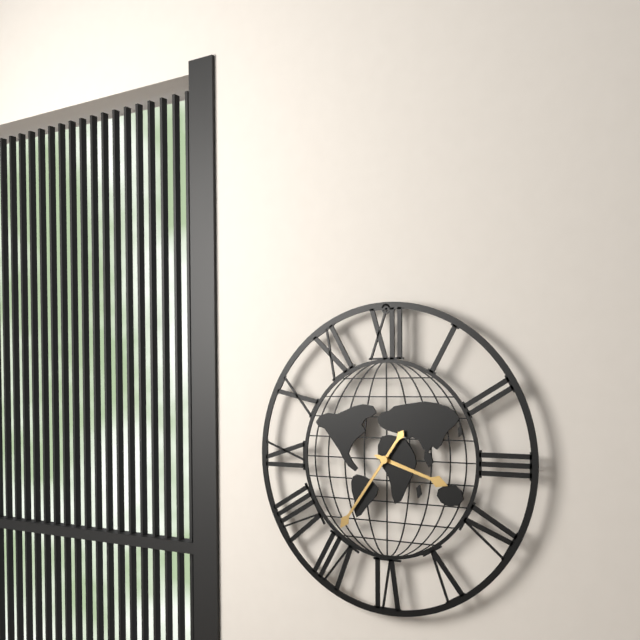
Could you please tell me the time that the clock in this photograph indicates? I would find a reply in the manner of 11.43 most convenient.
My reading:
3.36
